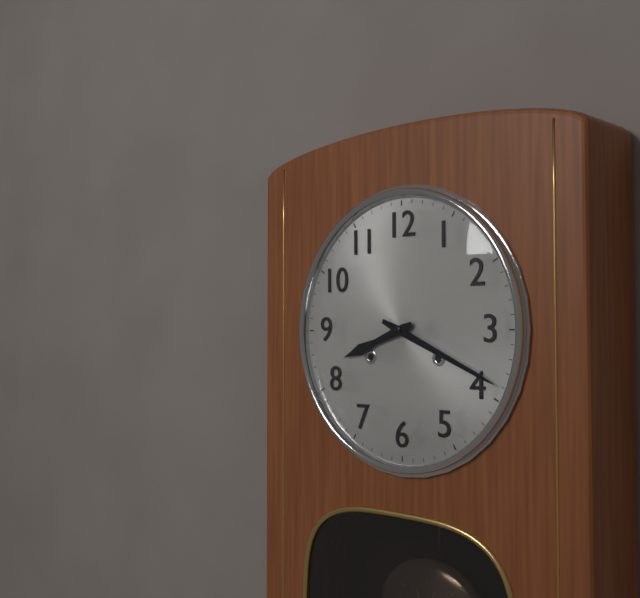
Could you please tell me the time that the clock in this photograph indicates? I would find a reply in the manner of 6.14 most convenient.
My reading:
8.19
